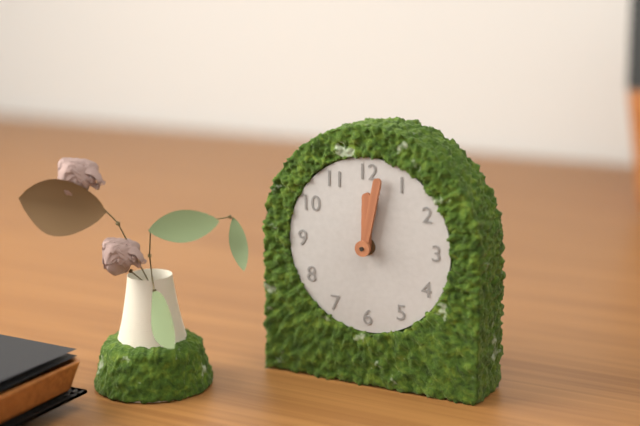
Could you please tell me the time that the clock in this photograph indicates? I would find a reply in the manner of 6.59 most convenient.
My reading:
12.02
